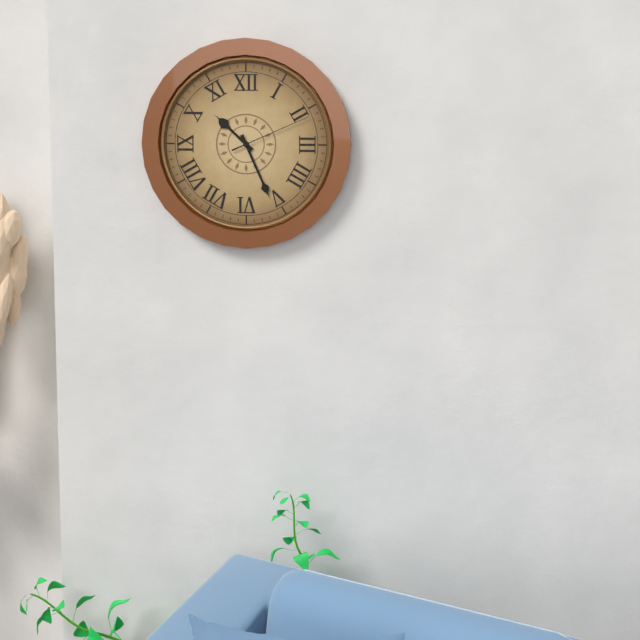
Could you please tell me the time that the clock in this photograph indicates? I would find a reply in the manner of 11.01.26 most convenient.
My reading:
10.26.11
